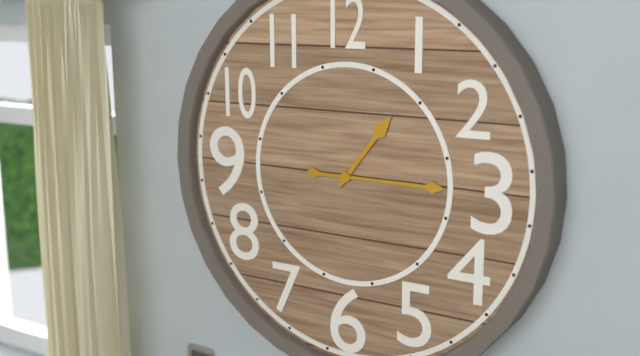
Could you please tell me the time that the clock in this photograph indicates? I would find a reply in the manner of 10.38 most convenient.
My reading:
1.15
